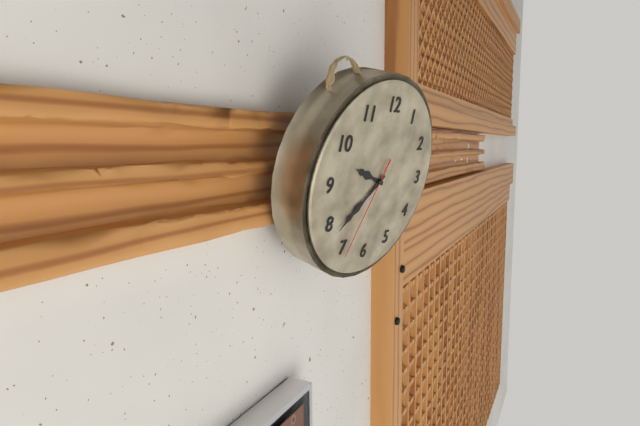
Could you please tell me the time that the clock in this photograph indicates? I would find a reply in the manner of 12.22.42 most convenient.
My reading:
9.38.34
